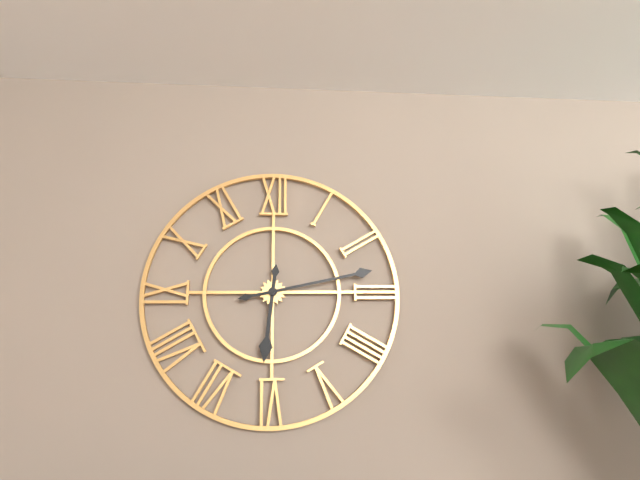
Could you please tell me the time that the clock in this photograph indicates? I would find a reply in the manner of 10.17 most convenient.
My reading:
6.13
